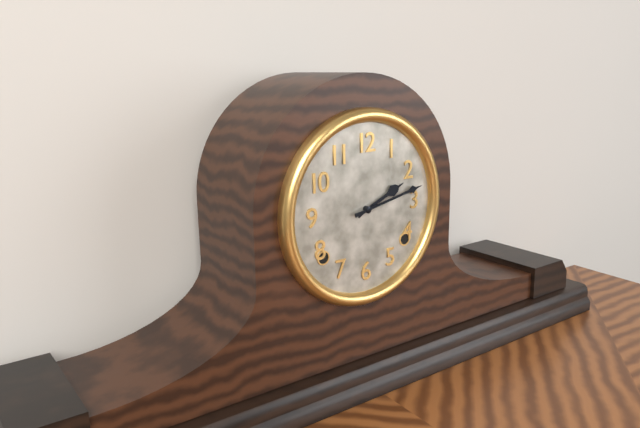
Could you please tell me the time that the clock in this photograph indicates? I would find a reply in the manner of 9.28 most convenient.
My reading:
2.13
